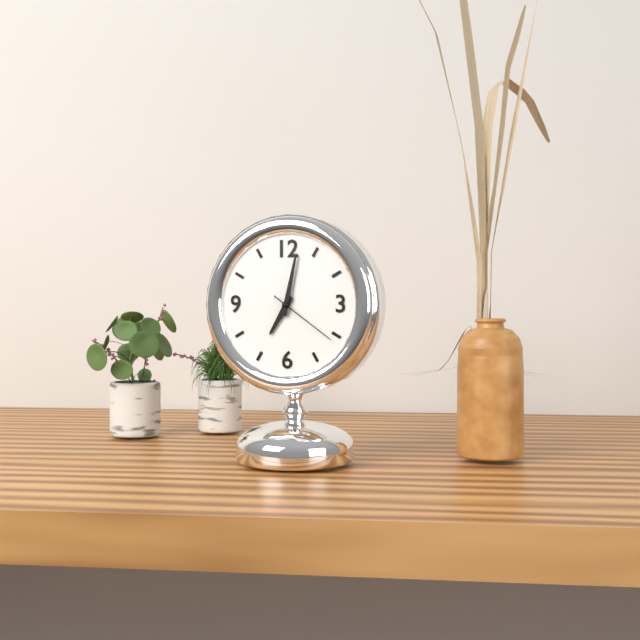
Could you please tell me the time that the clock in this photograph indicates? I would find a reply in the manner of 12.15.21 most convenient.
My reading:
7.02.21
